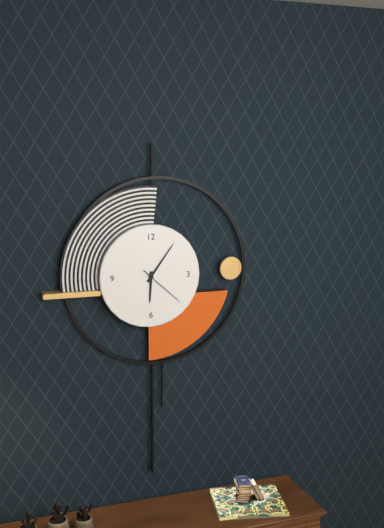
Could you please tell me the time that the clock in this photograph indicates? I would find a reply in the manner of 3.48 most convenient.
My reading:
6.06
